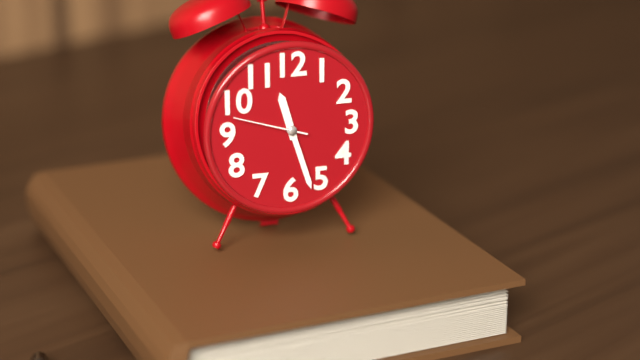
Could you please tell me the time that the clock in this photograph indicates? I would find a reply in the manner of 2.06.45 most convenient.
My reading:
11.27.48
